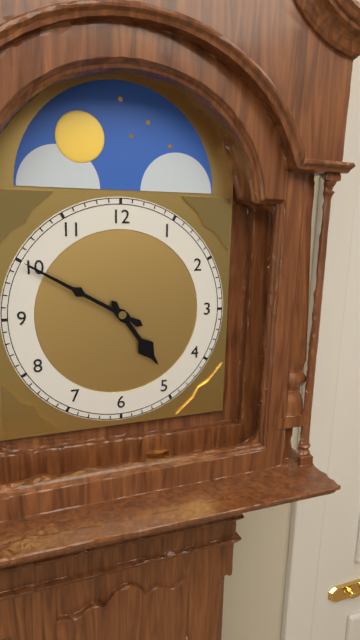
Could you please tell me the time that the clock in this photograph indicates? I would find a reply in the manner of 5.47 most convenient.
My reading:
4.50
